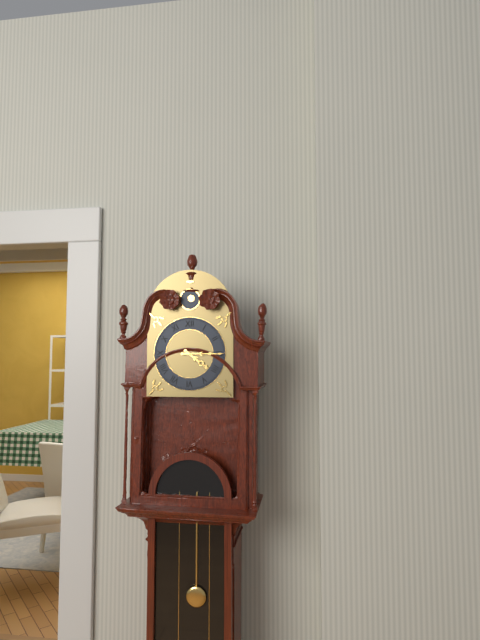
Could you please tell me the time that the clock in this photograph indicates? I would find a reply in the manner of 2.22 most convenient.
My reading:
4.15
